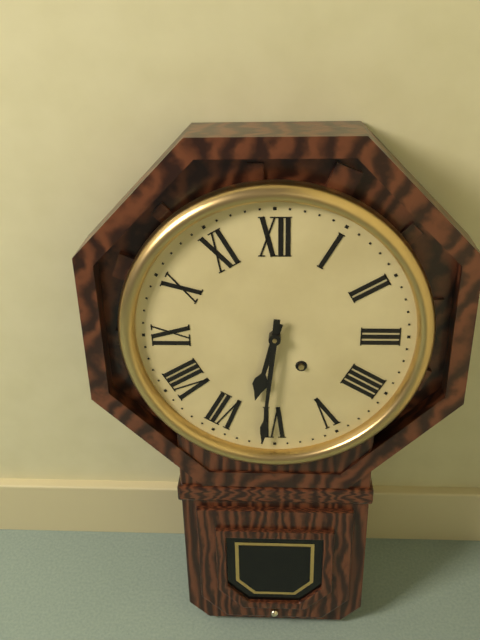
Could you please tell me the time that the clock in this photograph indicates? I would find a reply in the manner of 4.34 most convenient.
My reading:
6.31
